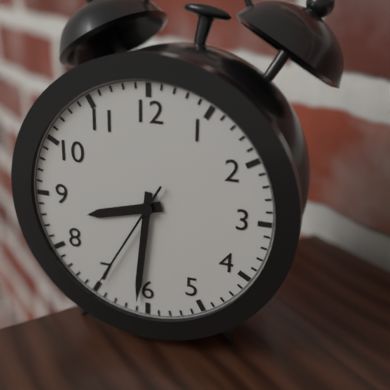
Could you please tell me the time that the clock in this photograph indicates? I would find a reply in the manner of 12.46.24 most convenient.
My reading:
8.31.35
